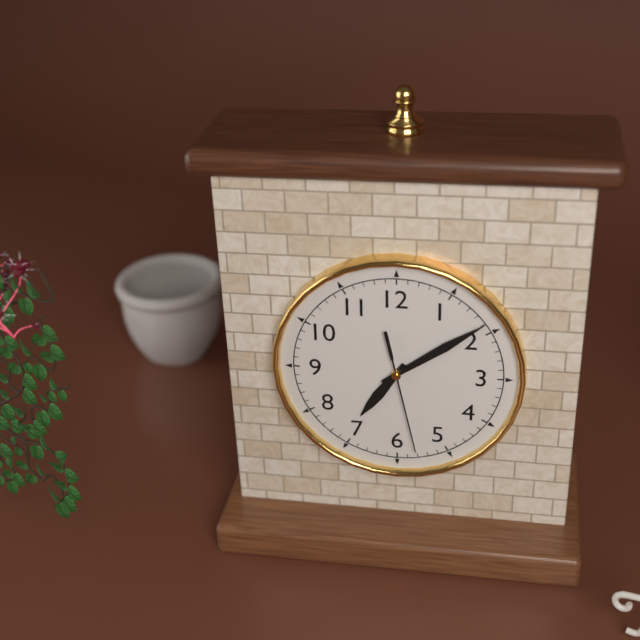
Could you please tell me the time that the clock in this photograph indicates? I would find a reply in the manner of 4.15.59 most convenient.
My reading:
7.09.28
